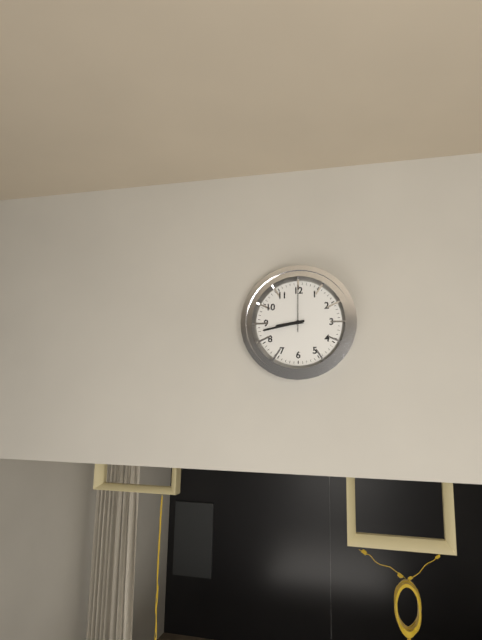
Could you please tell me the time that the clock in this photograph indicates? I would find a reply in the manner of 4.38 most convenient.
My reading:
8.43
